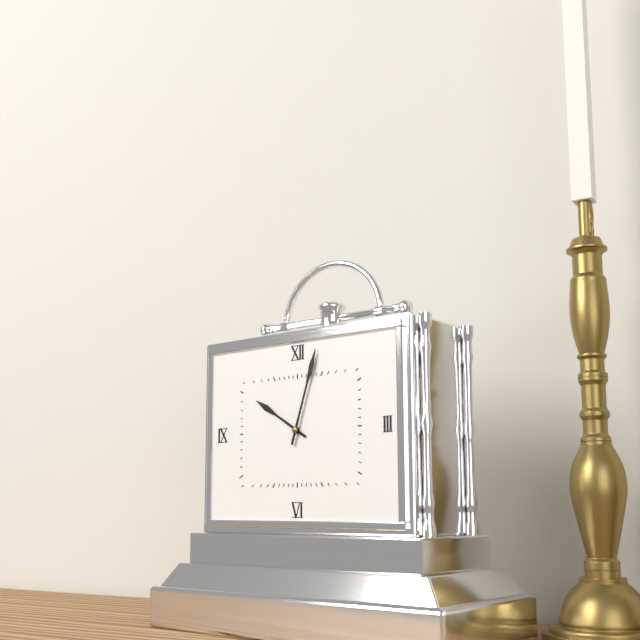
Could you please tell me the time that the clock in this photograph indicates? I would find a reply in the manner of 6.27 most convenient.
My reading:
10.03
